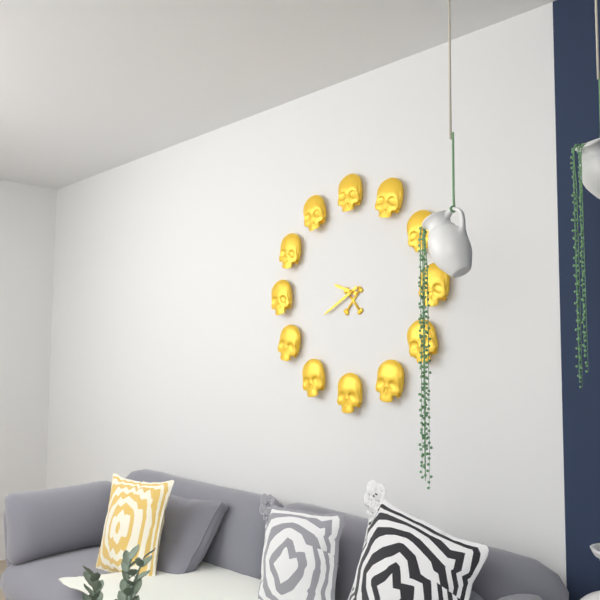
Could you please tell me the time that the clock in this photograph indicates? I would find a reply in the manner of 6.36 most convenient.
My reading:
9.40
